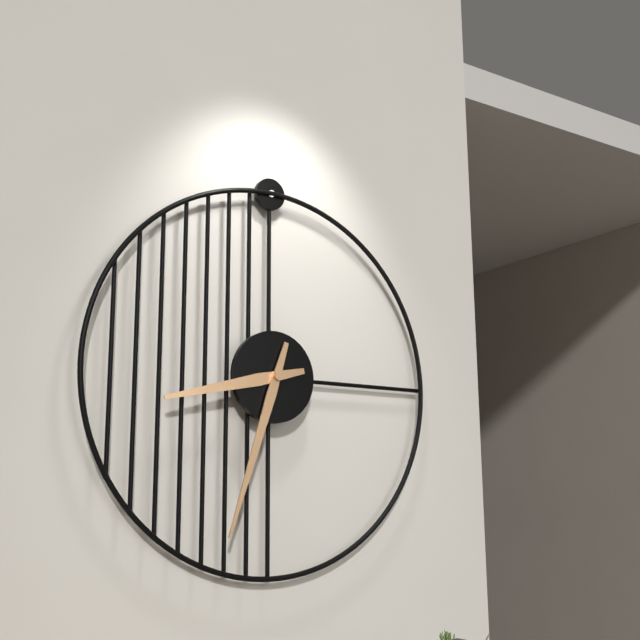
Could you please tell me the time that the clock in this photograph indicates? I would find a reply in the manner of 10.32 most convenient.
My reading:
8.33
